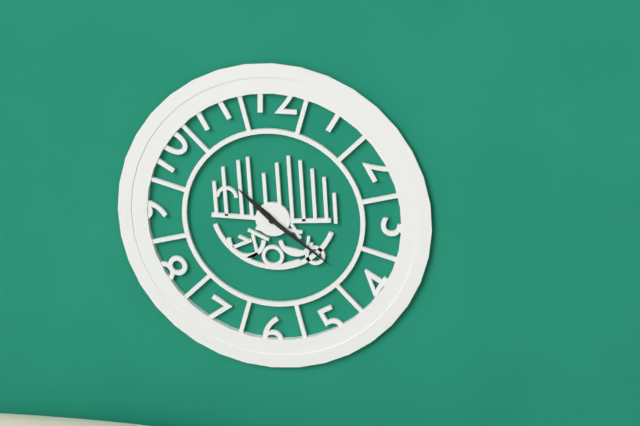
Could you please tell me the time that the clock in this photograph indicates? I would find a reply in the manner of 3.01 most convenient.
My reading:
10.21
